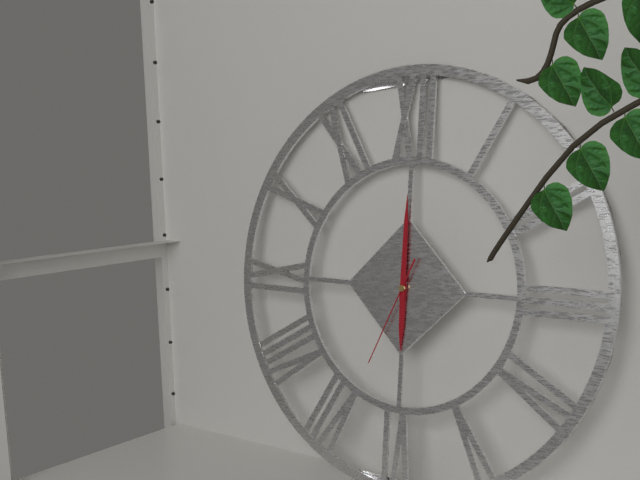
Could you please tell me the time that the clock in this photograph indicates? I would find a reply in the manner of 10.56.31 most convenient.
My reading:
6.00.34
